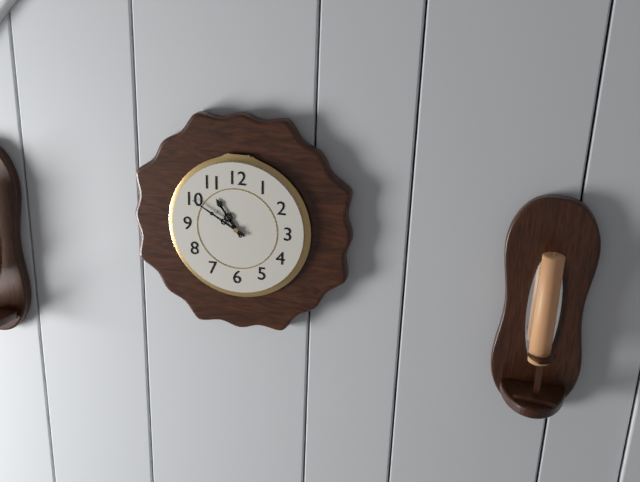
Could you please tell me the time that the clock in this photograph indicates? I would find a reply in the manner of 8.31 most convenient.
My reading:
10.50
